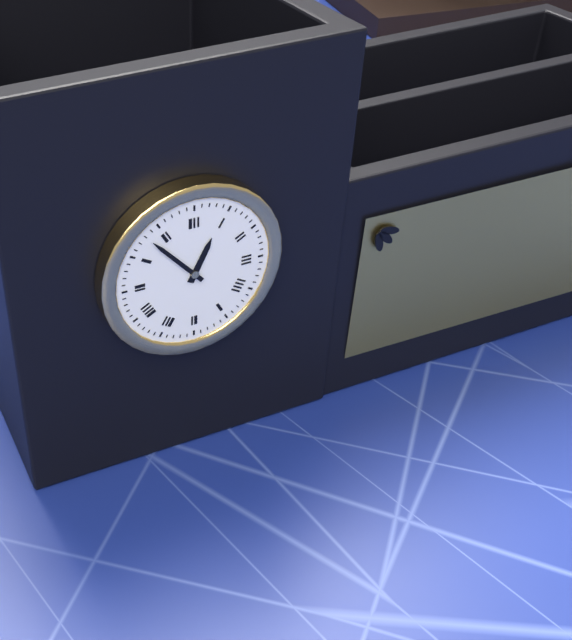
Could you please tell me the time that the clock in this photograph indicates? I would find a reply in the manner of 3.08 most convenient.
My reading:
12.53
